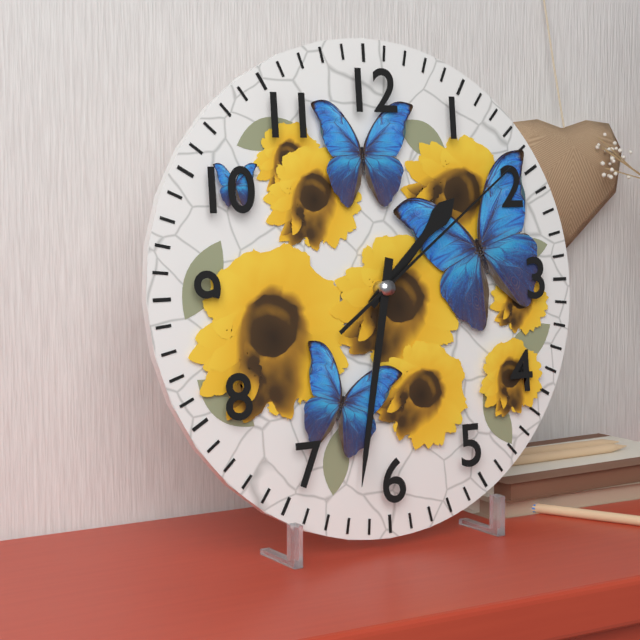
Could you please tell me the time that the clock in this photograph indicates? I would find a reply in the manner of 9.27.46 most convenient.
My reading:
1.32.09
